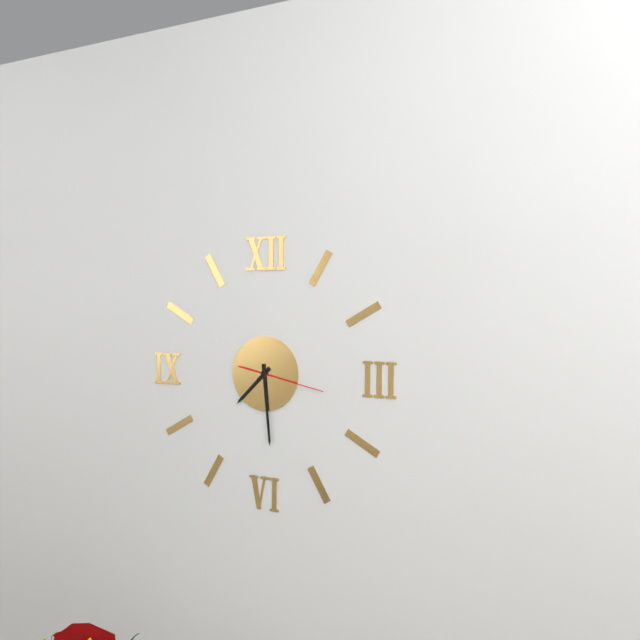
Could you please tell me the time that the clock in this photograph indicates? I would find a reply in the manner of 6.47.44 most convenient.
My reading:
7.29.17
